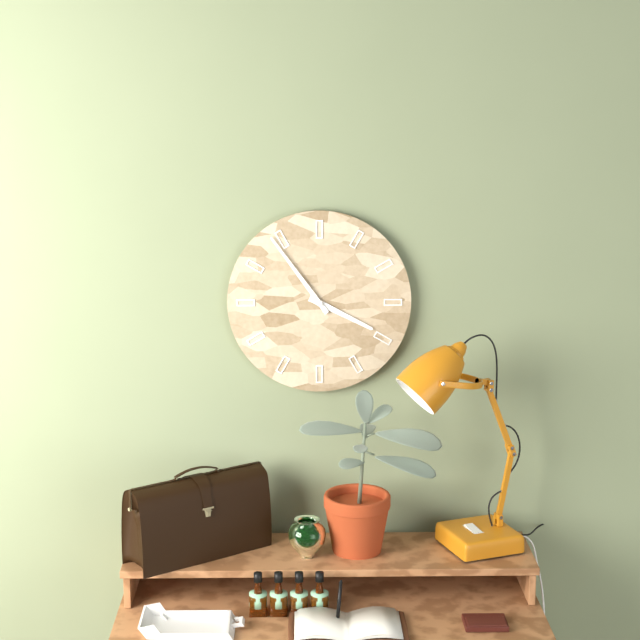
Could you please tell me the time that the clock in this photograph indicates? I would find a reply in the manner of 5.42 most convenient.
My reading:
3.54
